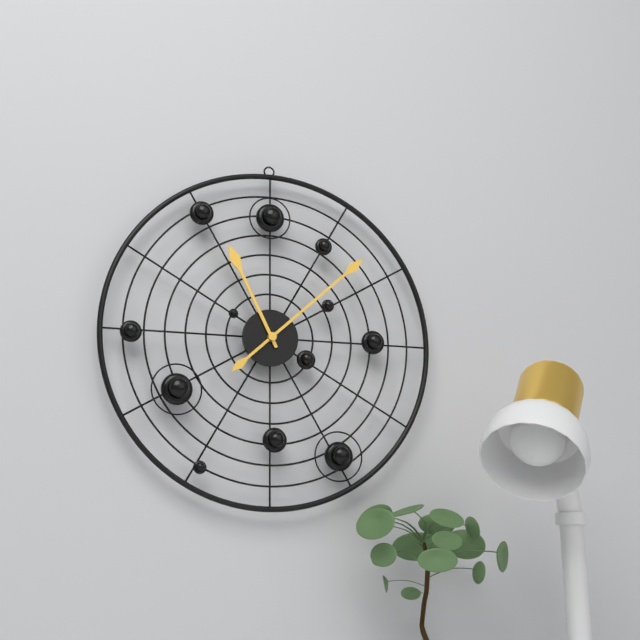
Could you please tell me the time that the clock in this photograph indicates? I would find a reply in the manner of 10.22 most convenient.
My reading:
11.08
